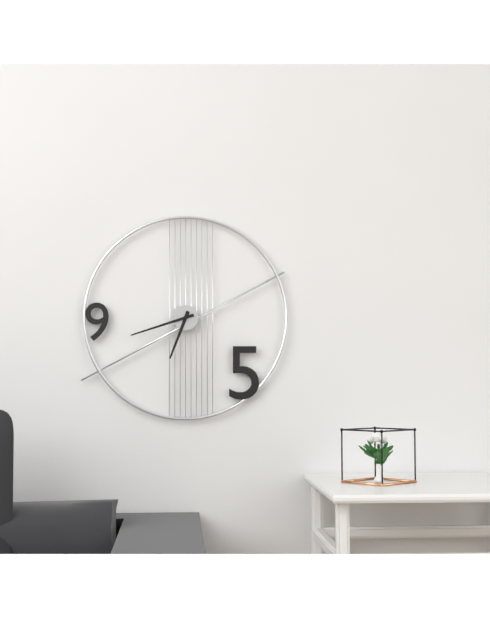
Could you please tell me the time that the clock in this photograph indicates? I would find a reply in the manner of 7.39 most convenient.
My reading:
6.42
